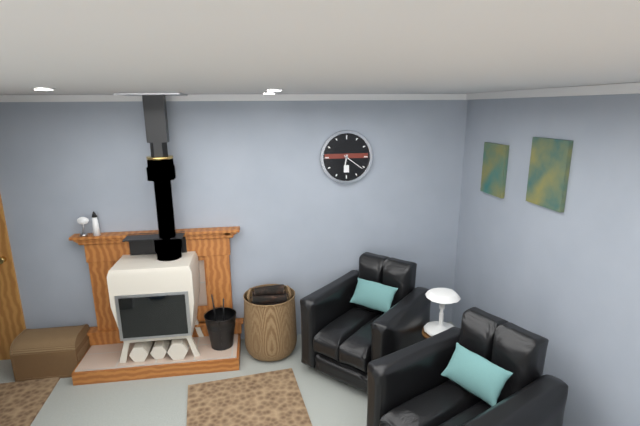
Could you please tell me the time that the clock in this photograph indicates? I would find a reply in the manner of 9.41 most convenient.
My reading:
6.21
